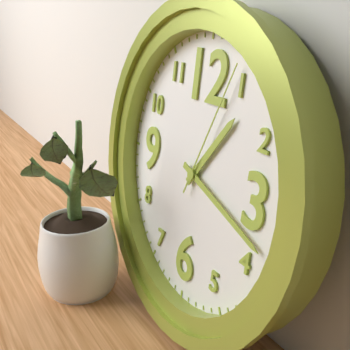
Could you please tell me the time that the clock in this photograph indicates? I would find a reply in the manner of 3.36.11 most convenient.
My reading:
1.18.04
